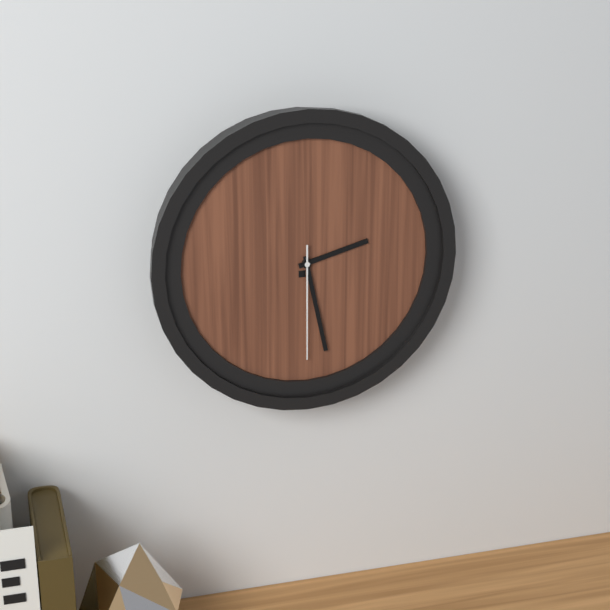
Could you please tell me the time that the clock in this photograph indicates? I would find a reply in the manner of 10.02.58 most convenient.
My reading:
2.28.30
